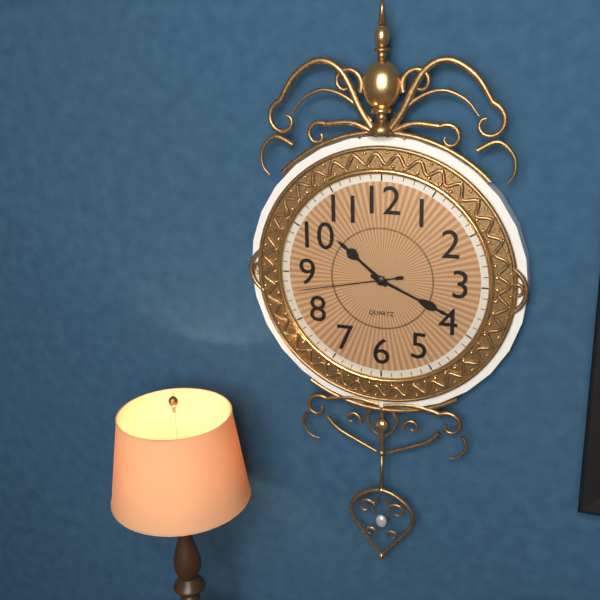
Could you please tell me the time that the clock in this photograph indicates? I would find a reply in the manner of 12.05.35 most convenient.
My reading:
10.19.43
